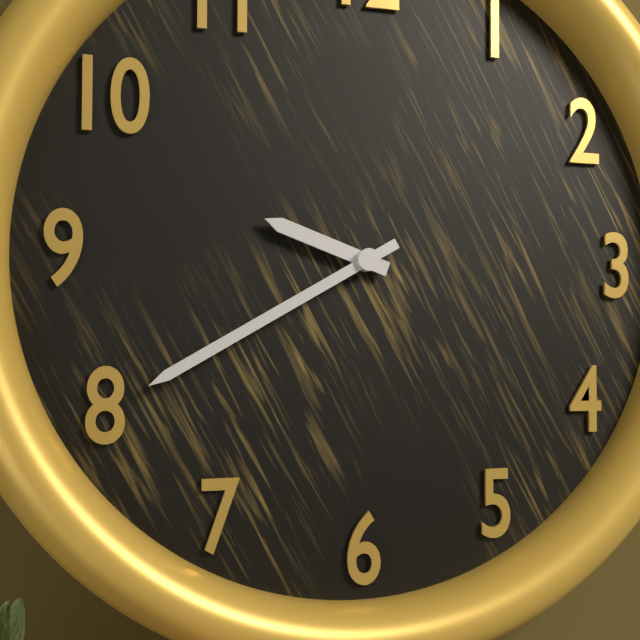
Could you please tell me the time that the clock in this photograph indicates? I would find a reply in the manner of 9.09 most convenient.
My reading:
9.40
